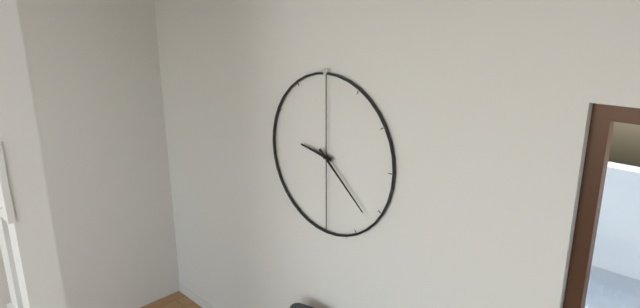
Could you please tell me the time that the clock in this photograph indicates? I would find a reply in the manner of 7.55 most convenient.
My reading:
9.22
